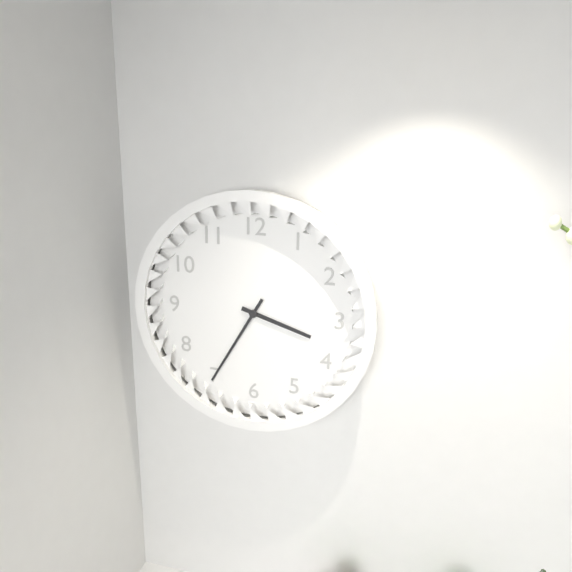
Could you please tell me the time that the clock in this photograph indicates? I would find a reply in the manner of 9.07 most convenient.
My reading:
3.35
